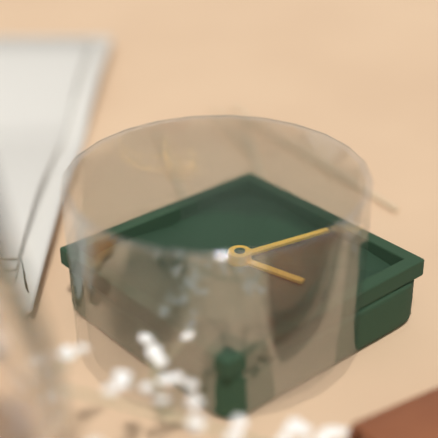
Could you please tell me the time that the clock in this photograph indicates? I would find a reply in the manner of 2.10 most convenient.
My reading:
8.32
